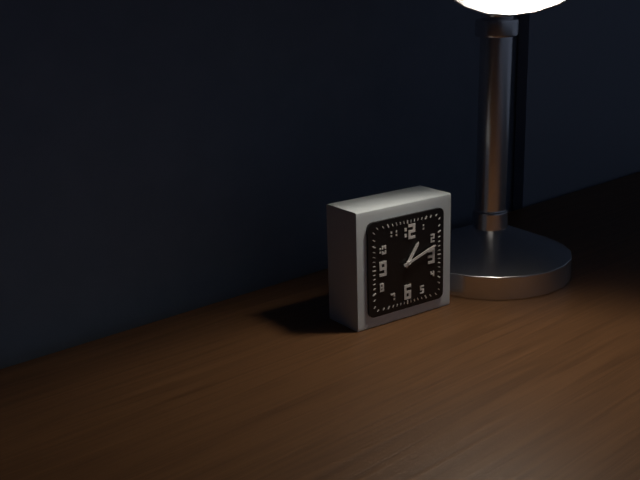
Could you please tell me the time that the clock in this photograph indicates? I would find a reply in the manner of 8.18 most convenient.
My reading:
1.12
